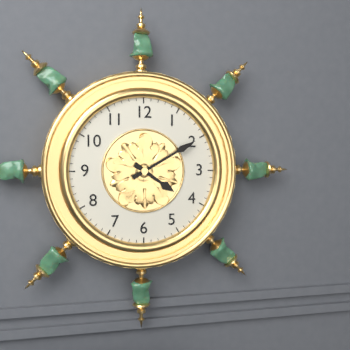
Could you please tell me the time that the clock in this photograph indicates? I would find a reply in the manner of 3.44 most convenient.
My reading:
4.10
